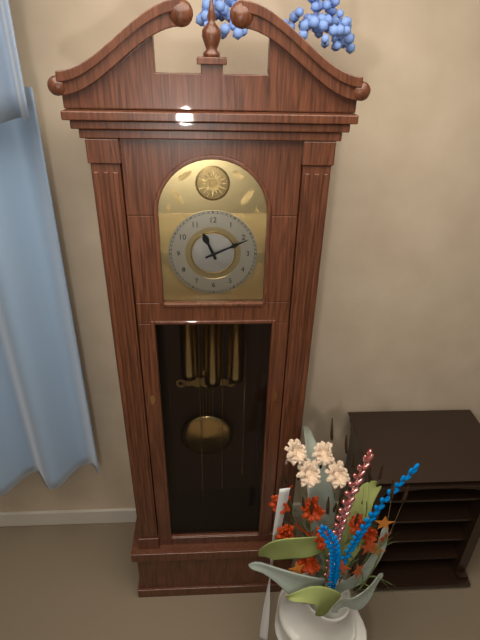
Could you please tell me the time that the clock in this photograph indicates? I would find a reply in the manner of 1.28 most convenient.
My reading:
11.11
